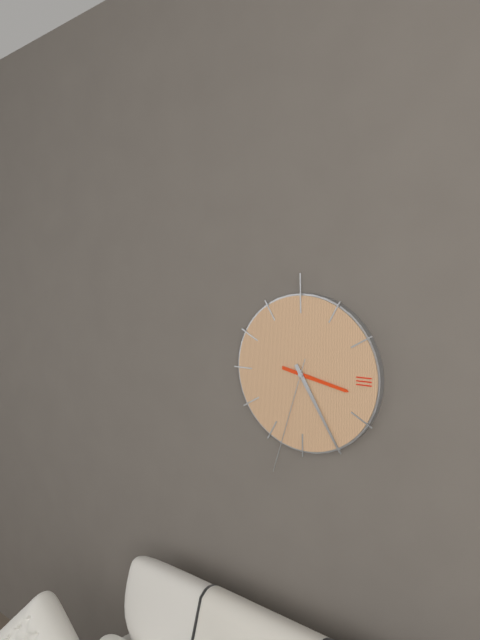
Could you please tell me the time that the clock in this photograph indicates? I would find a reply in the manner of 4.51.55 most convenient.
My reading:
3.25.33
